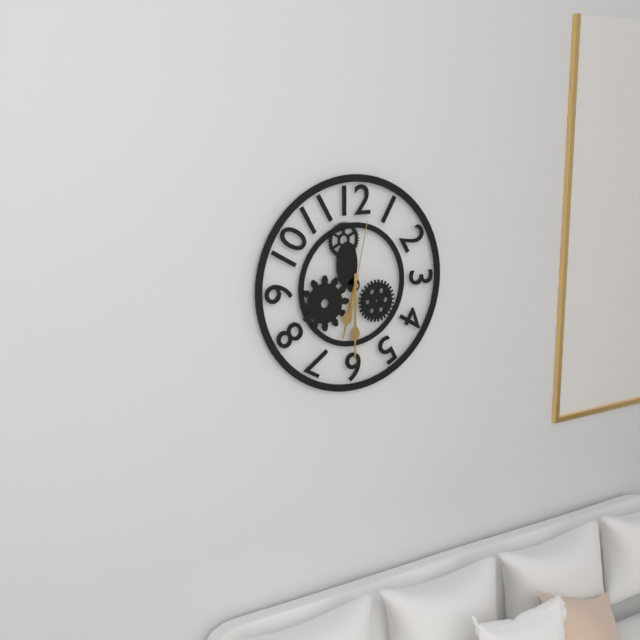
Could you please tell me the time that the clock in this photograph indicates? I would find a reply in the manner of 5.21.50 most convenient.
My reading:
6.30.02
